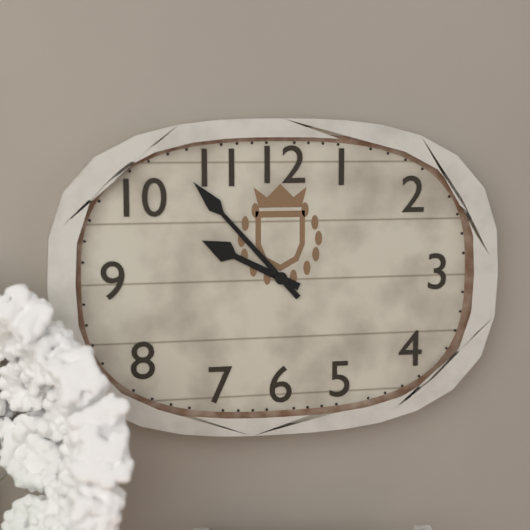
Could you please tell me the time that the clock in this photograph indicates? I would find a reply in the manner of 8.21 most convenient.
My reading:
9.53
